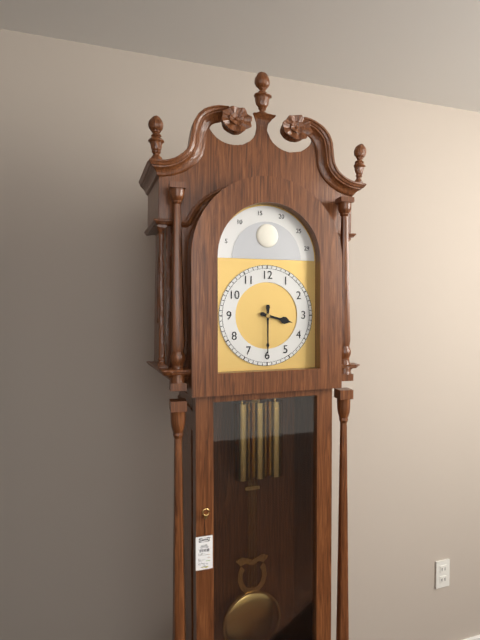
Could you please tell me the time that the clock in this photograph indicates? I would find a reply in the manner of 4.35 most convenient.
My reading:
3.30
